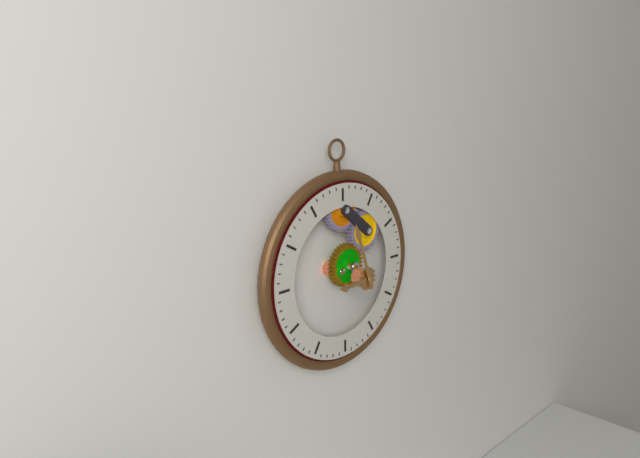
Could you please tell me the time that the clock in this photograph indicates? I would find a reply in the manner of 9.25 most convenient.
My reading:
8.57
